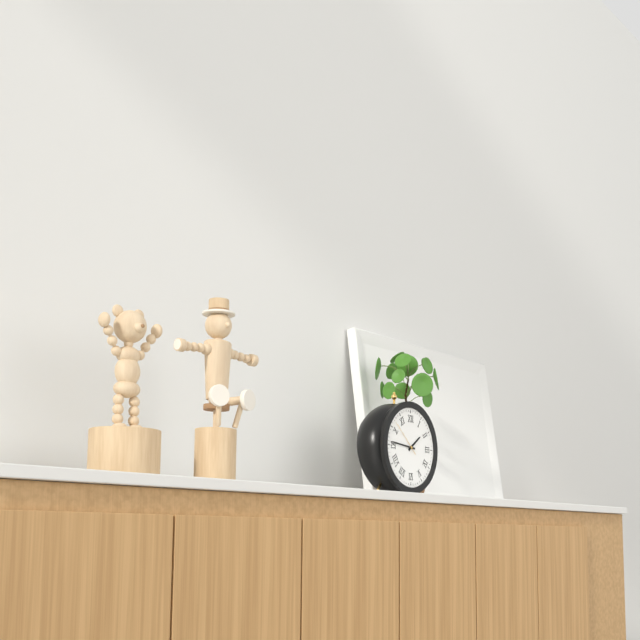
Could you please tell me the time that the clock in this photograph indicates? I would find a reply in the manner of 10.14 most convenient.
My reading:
1.46
